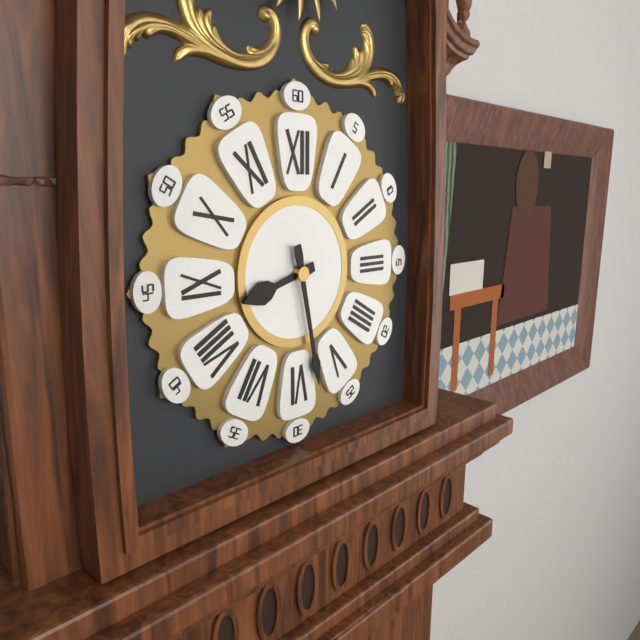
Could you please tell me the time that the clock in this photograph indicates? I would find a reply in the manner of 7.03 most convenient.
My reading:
8.28
